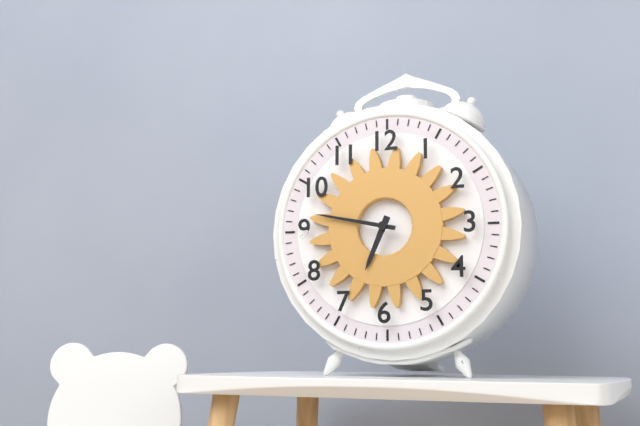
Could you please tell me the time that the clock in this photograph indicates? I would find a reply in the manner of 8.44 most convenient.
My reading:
6.47
